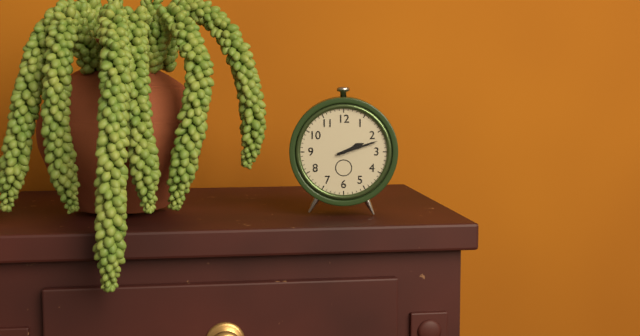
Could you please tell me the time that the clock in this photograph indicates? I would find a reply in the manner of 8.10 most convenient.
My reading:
2.12
